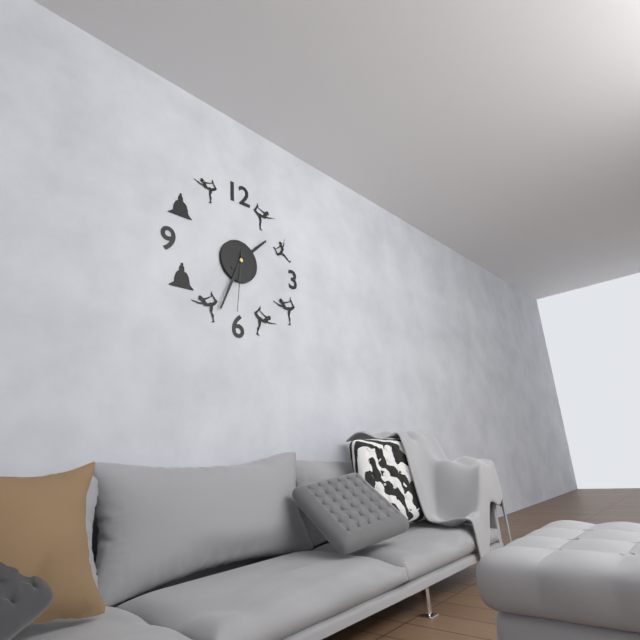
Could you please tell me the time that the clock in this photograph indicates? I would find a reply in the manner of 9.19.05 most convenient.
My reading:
1.34.31
